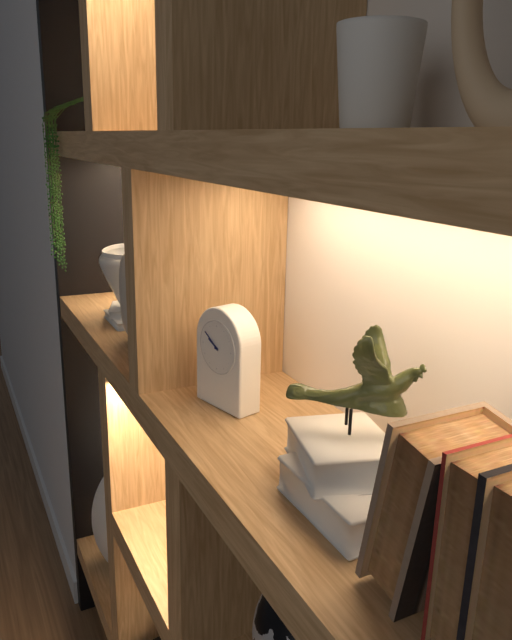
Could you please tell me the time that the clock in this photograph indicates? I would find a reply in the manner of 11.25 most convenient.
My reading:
9.51
